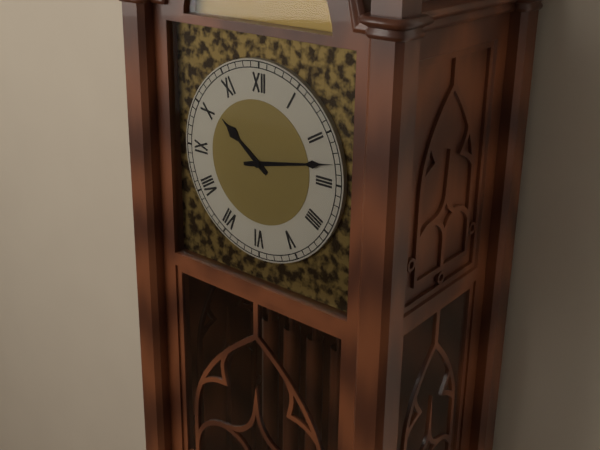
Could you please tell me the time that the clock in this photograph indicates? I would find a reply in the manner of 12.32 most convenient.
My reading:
10.13
